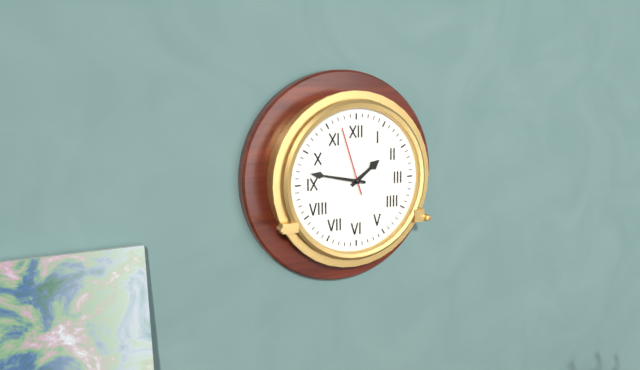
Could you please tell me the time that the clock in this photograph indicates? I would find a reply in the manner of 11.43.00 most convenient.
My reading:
1.47.57
